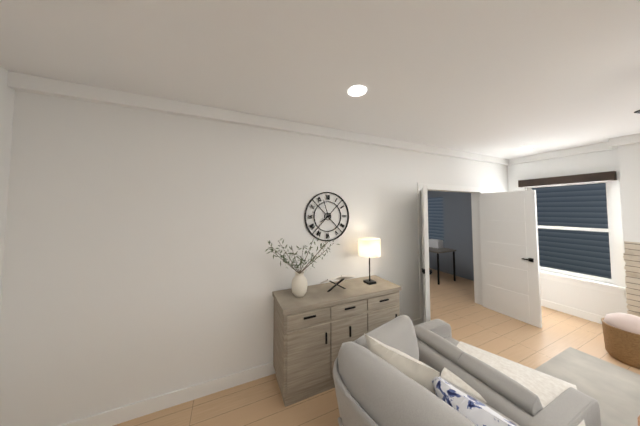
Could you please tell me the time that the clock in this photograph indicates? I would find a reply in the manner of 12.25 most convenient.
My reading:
7.57
